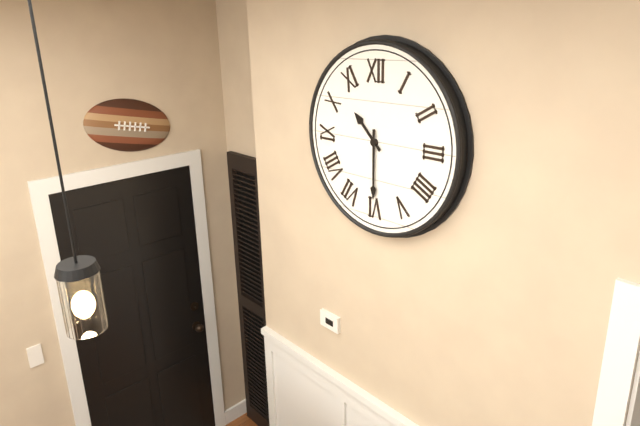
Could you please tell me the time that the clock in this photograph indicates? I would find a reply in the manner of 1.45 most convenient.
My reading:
10.30
